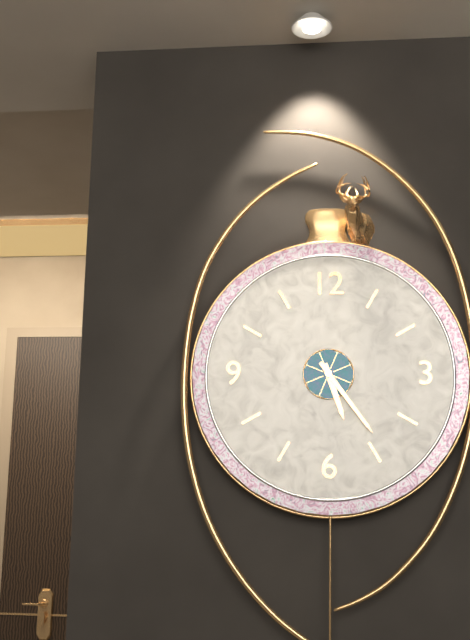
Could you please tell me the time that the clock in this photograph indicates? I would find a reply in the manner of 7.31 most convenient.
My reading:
5.24
